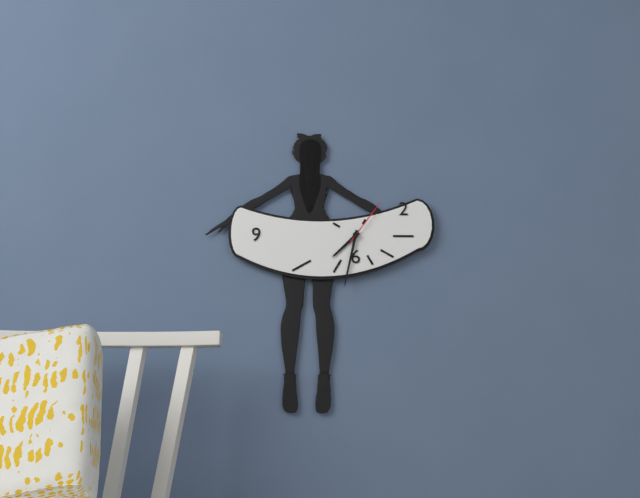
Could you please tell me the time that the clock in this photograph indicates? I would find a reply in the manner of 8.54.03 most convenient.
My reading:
7.32.06
